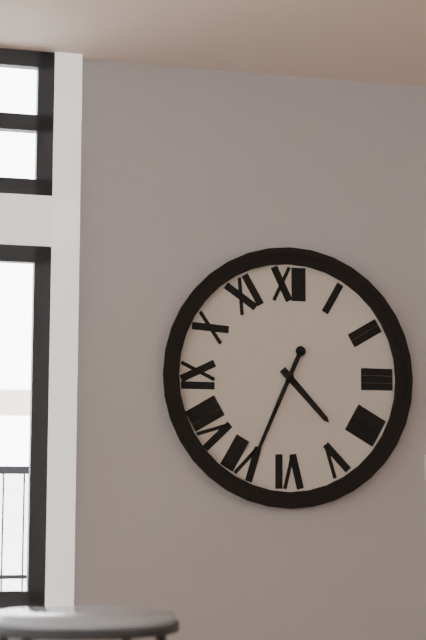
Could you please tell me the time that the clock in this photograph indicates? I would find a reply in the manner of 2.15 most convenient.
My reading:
4.34
